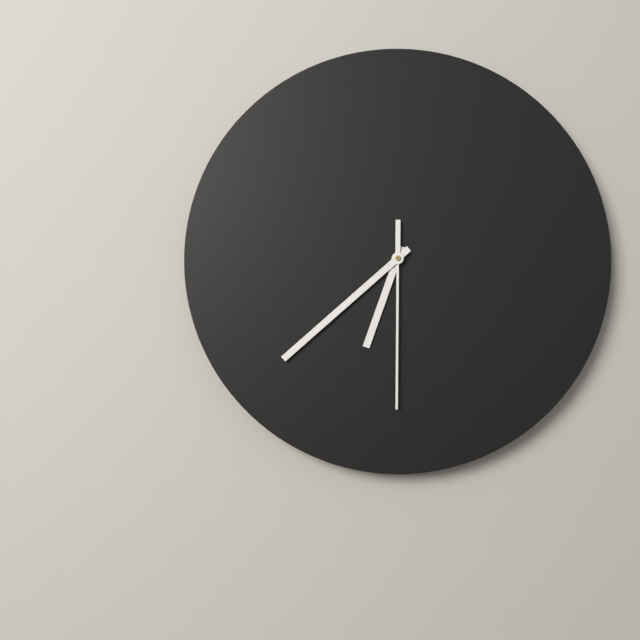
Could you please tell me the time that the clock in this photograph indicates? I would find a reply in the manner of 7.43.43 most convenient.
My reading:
6.38.30
